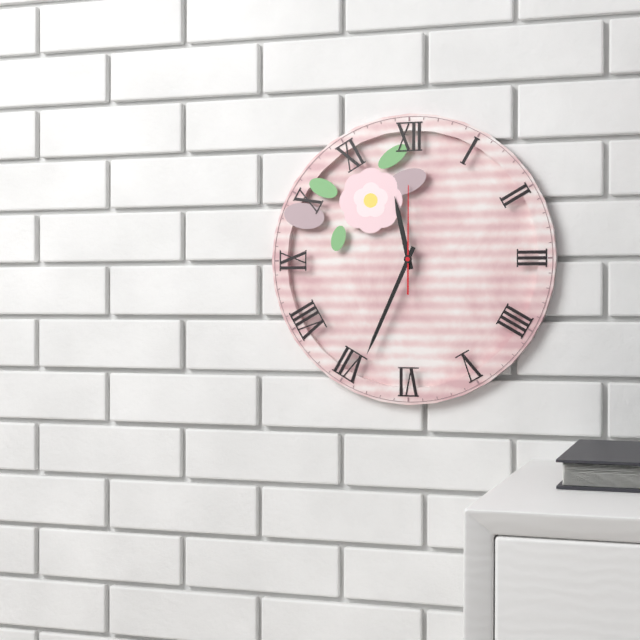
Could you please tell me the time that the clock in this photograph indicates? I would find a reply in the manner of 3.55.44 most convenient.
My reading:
11.34.00
